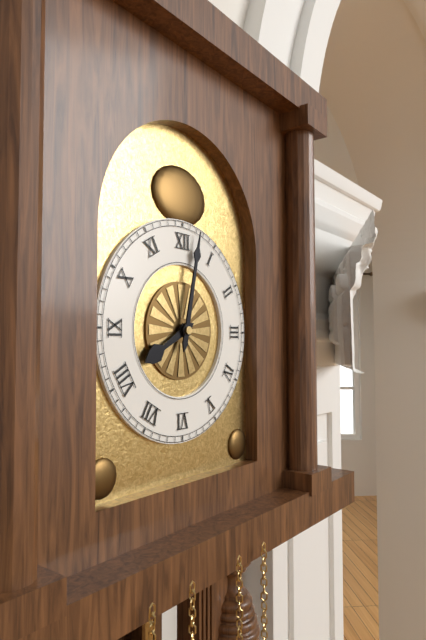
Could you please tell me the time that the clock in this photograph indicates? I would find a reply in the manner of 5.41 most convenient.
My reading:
8.02
